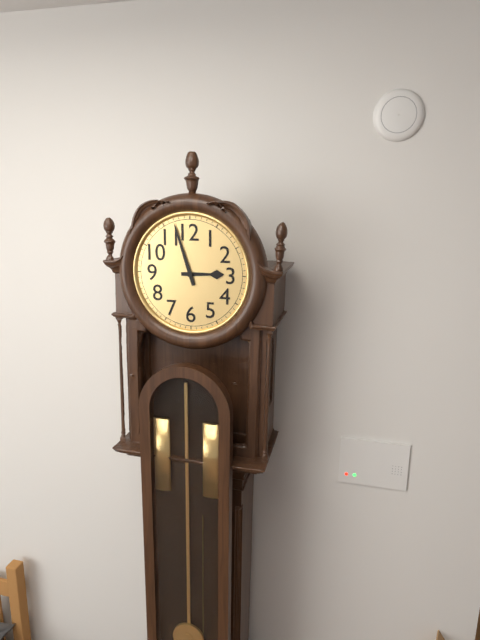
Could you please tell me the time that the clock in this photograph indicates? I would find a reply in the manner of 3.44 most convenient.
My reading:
2.57
